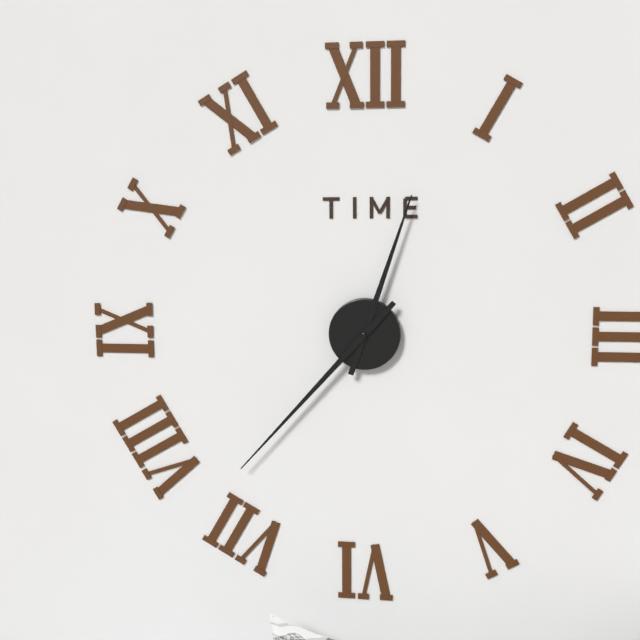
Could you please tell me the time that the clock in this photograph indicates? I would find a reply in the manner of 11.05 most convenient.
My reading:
12.37
